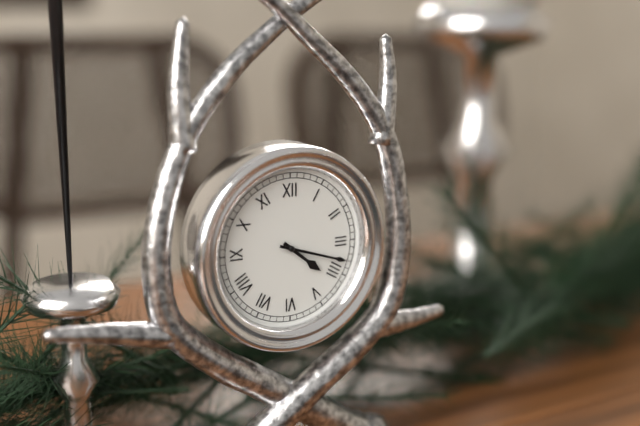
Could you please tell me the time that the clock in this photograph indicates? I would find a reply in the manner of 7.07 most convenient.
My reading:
4.18
